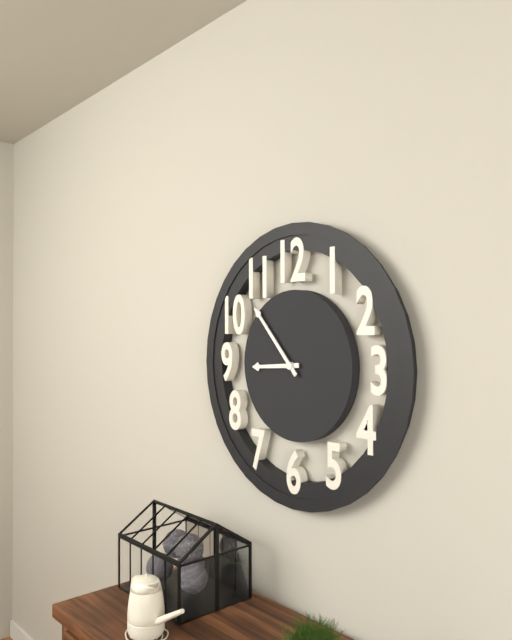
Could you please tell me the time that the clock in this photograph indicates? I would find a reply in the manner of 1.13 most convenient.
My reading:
8.53
